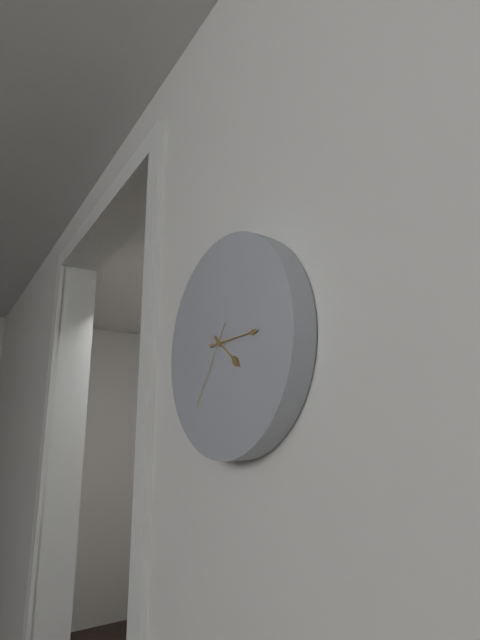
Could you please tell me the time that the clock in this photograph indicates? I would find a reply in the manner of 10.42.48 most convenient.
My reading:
4.15.36
